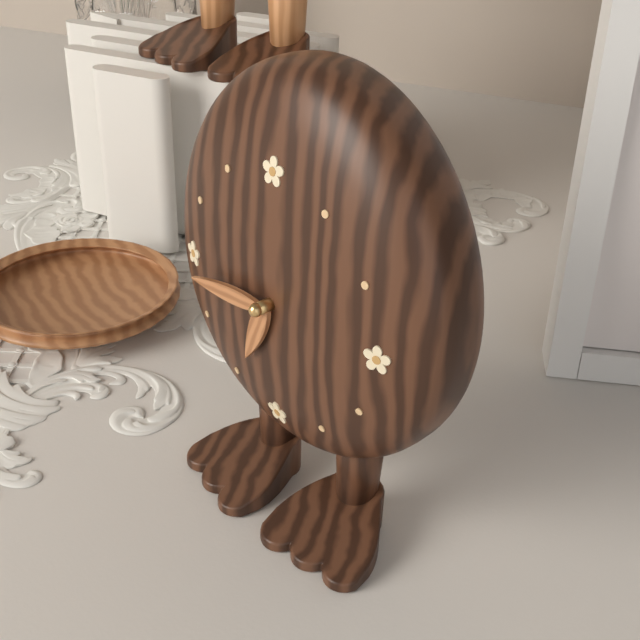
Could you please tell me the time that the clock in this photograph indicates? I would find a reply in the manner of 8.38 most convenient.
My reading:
6.44
